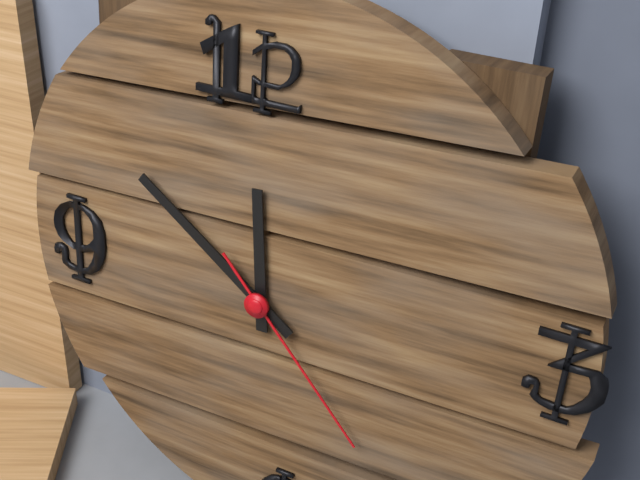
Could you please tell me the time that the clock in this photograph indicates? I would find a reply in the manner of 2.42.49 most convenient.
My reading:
11.51.23
